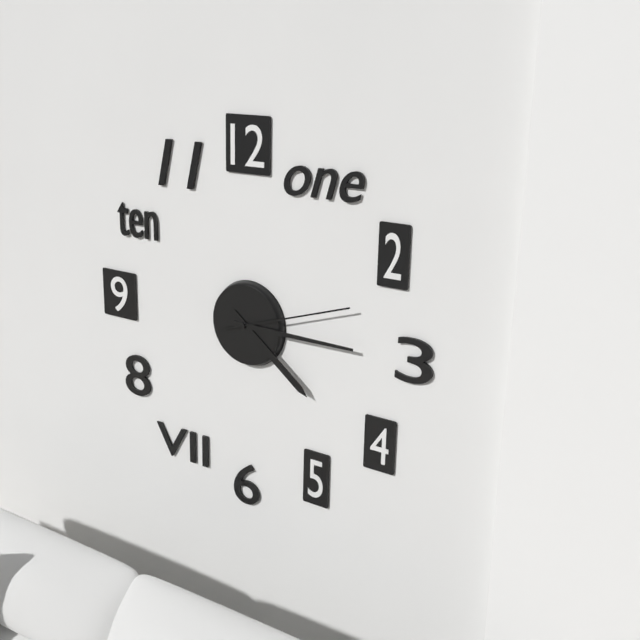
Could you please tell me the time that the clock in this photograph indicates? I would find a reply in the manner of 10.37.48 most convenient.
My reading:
4.15.12
